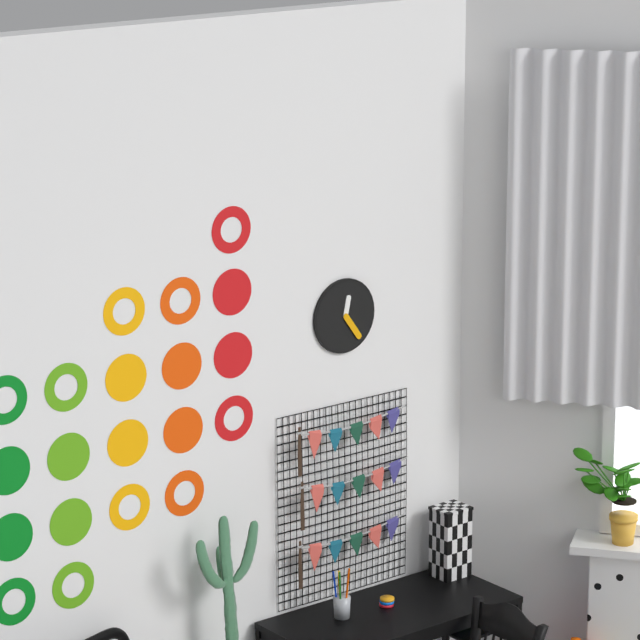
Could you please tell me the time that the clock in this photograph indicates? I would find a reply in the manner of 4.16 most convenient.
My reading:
12.24
